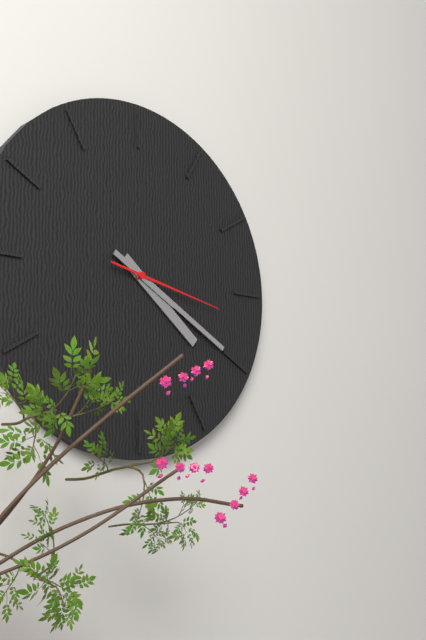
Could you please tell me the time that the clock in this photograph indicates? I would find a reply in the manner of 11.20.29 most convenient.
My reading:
4.20.17
